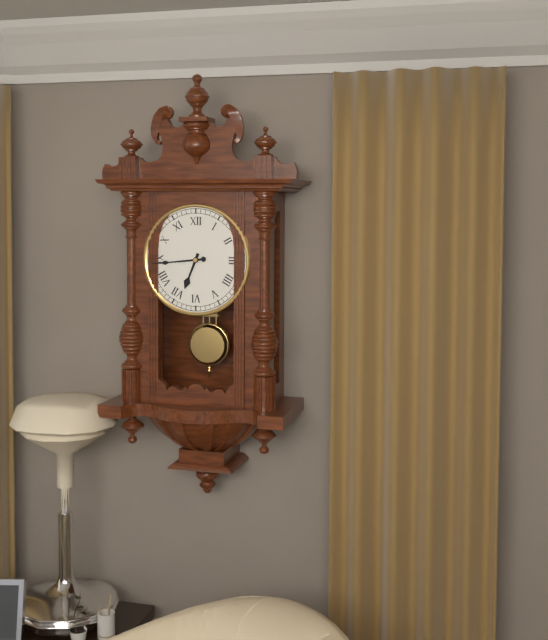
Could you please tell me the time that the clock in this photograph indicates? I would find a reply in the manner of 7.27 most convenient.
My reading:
6.44
